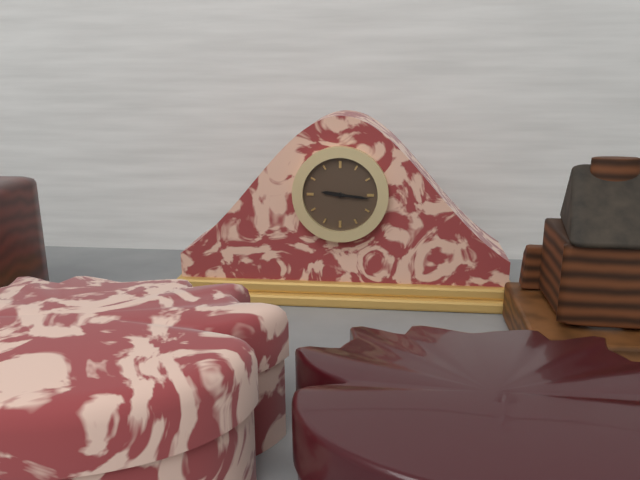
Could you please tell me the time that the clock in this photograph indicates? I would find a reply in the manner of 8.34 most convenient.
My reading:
9.16
